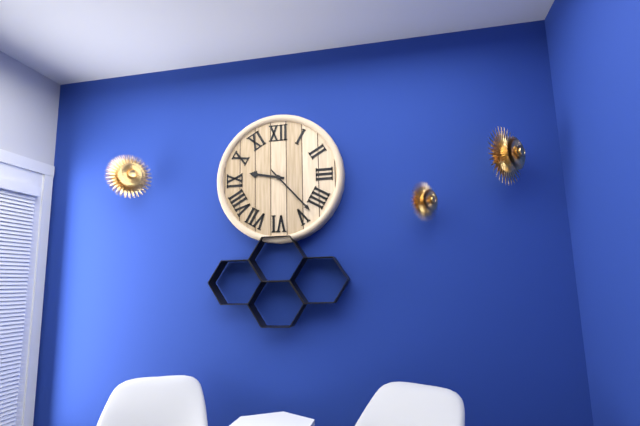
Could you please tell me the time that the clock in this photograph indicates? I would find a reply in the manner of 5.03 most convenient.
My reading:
9.23
